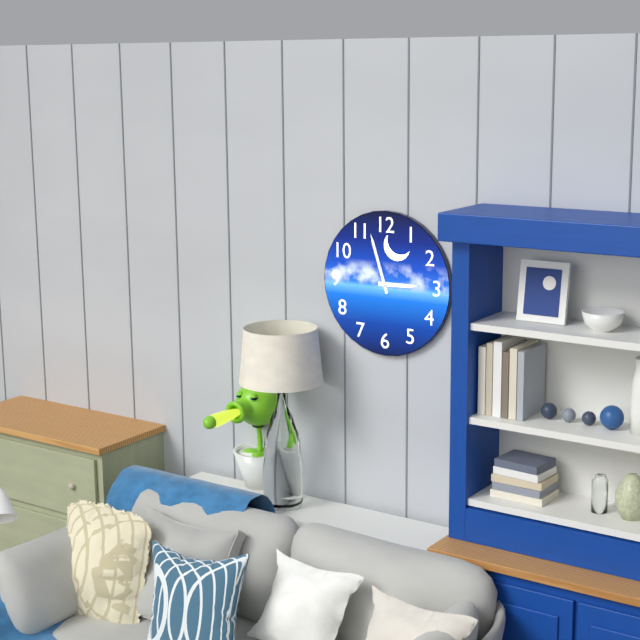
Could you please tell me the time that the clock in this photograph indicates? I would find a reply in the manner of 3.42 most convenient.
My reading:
2.57
